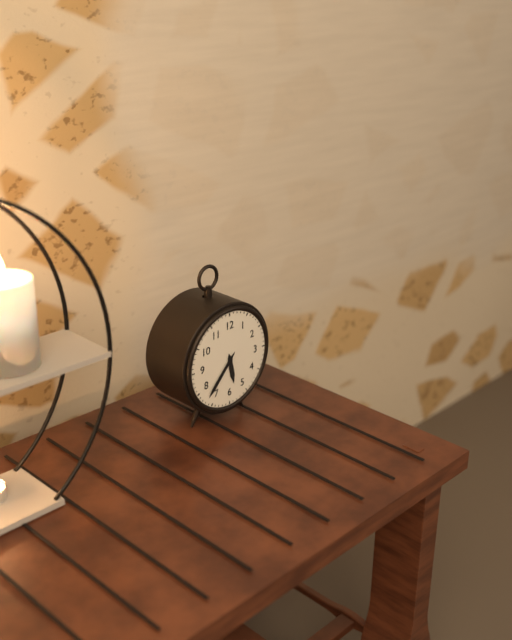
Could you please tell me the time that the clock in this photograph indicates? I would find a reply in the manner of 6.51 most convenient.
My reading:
5.37
